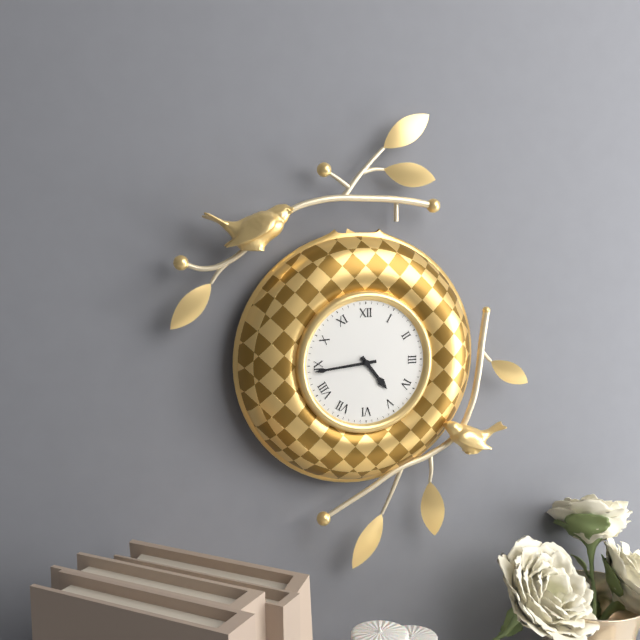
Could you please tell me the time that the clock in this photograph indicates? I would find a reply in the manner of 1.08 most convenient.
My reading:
4.44
